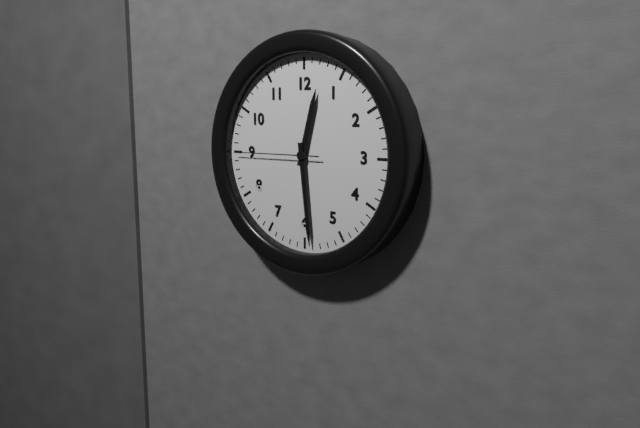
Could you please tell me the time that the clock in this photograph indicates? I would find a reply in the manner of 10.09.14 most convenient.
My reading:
12.29.45
